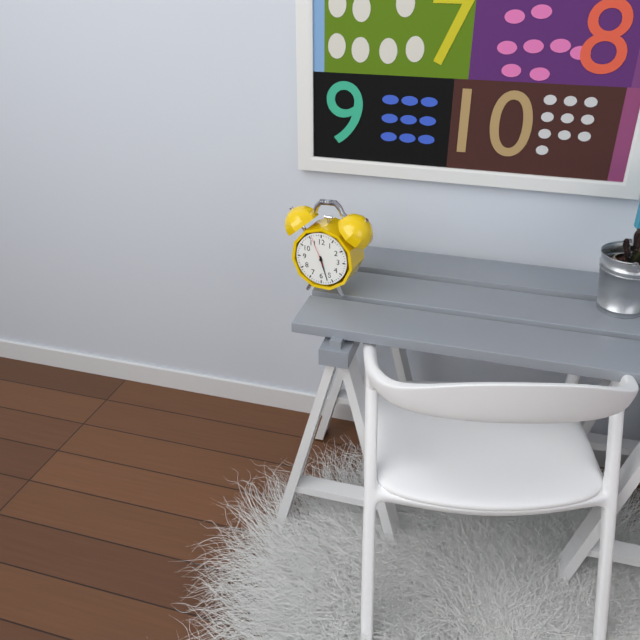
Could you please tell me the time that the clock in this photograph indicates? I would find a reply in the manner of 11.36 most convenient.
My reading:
5.27
